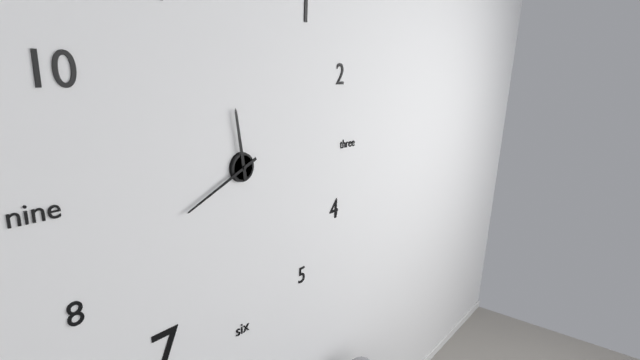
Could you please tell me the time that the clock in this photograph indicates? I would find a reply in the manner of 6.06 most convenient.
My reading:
11.41
